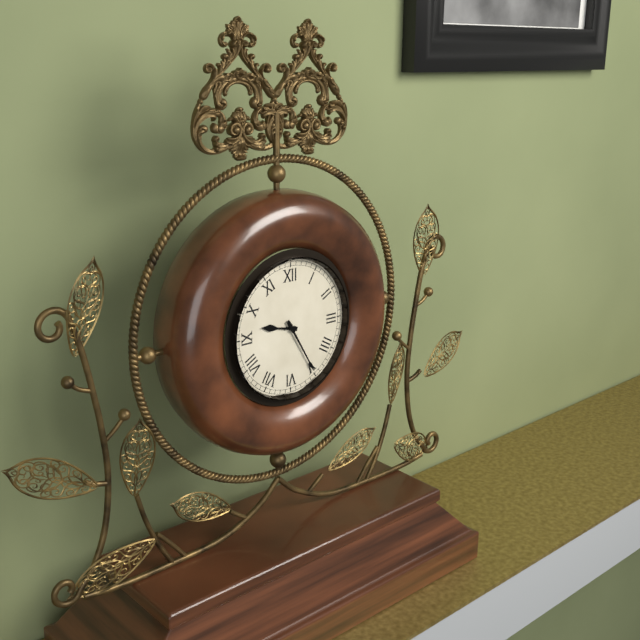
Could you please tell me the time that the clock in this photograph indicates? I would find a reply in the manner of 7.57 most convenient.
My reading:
9.25
